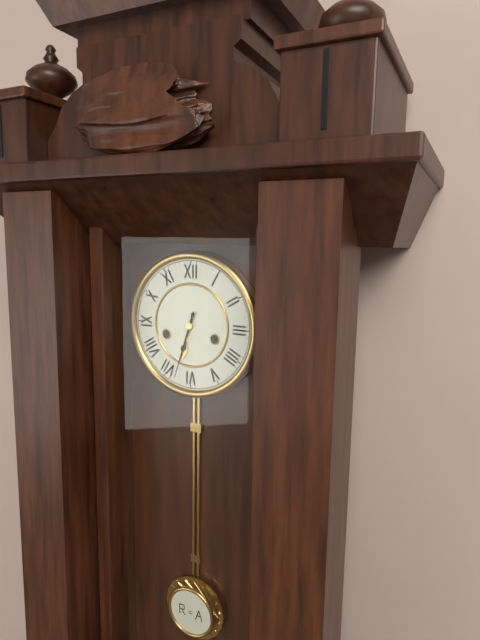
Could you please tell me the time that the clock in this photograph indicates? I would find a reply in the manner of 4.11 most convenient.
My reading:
6.33
